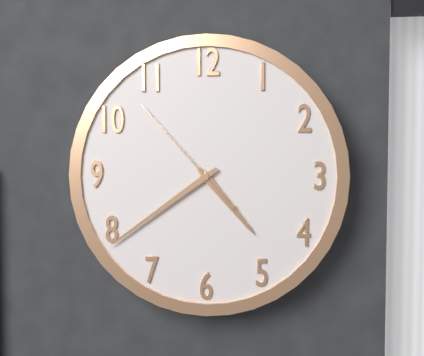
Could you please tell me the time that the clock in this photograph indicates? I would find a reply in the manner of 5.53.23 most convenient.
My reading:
4.39.53
